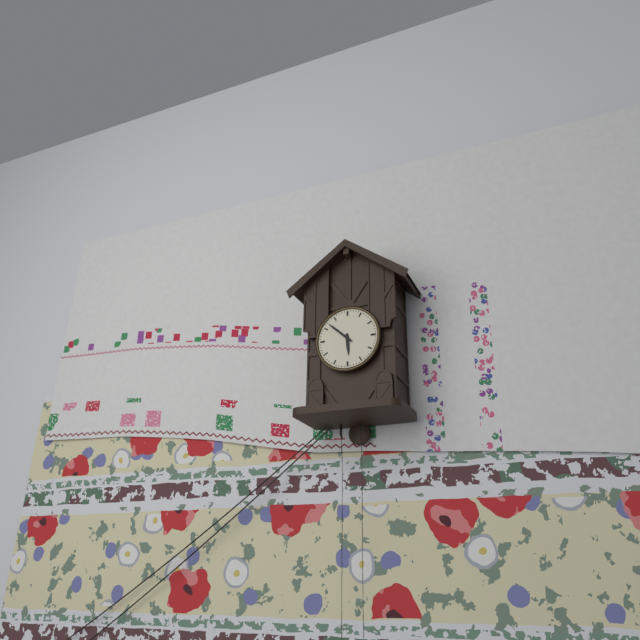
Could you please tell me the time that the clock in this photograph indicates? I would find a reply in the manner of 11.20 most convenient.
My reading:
5.52
